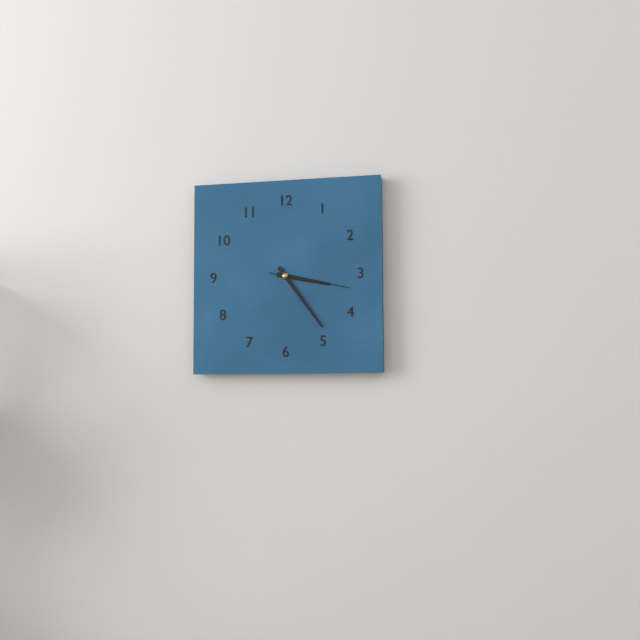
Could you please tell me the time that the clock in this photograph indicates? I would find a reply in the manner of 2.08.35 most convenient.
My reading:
3.24.17
